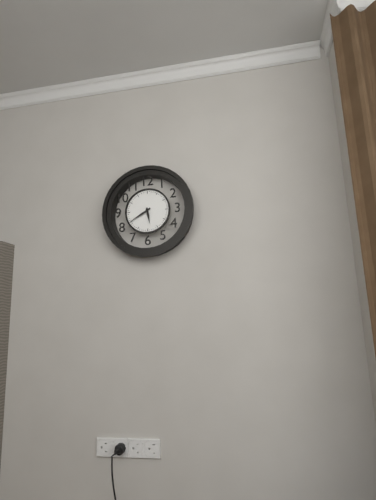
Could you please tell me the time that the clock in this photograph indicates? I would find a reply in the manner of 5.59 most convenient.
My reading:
5.40
